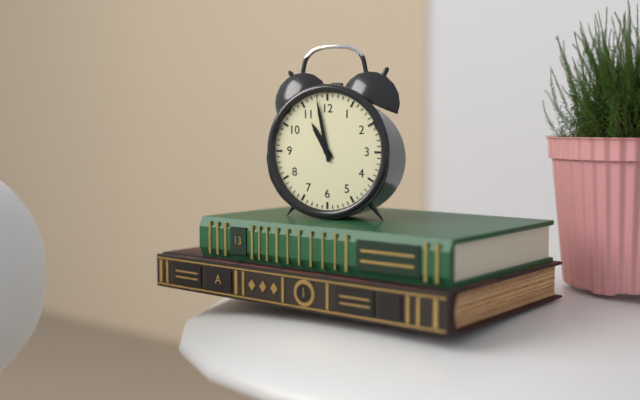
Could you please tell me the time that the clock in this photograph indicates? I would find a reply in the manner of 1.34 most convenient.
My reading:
10.58
